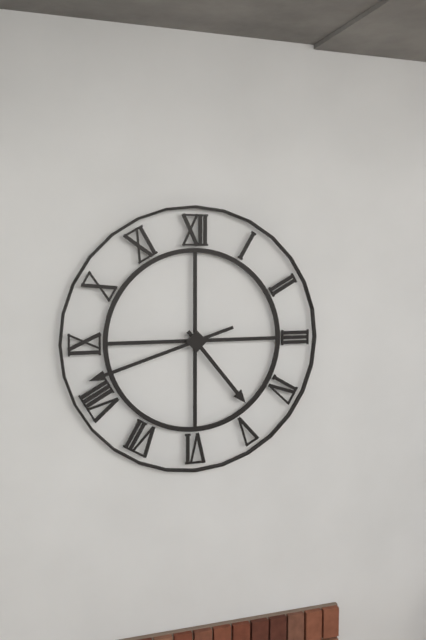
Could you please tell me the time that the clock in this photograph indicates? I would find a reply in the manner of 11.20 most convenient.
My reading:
4.42
